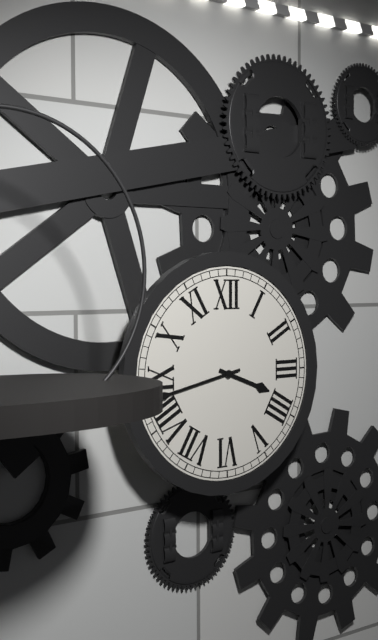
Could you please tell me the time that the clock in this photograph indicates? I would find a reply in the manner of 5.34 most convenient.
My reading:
3.43
